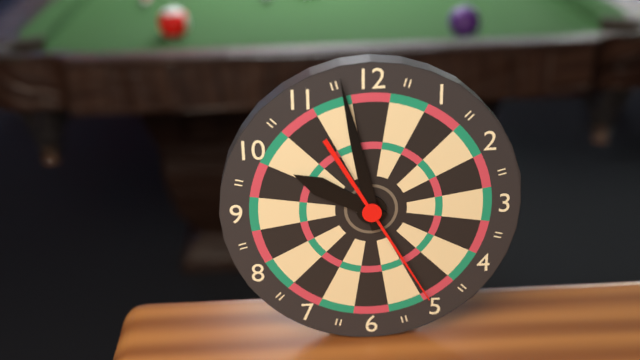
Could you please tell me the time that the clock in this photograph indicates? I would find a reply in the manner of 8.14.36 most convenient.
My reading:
9.58.25
